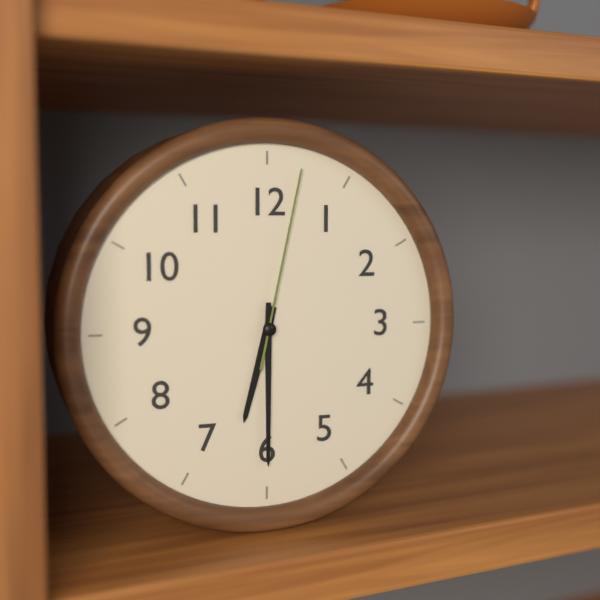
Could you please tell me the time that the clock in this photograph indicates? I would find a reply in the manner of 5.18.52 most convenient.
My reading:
6.30.02
